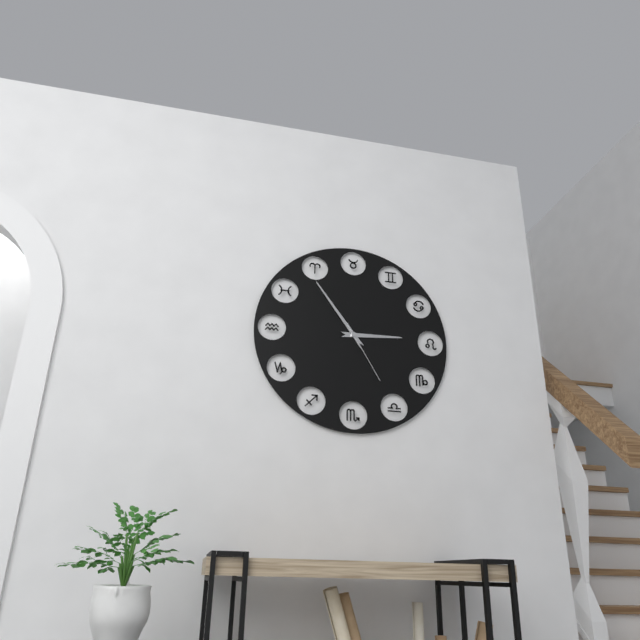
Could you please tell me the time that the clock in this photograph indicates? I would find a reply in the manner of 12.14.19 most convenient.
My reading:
2.54.25
